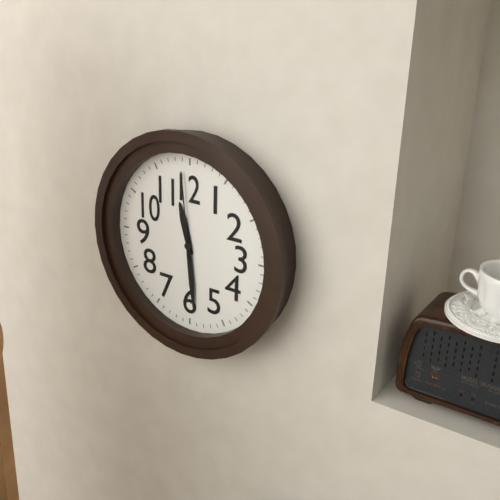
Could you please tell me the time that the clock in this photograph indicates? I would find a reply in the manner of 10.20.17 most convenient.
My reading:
11.29.59
